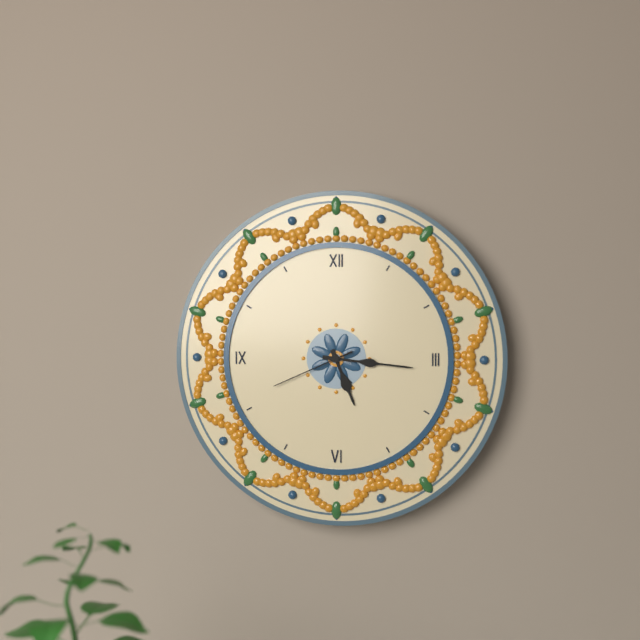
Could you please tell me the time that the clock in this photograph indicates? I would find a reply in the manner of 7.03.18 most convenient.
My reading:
5.16.41
